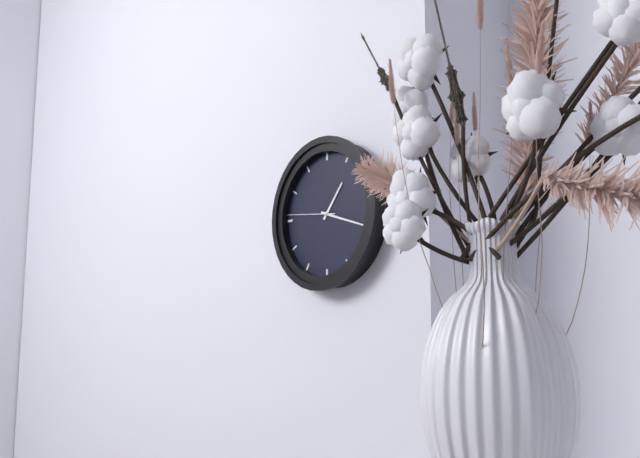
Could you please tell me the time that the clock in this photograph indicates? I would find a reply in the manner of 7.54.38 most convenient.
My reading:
1.18.46
